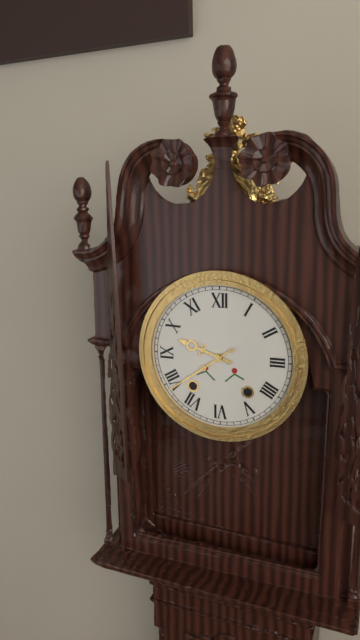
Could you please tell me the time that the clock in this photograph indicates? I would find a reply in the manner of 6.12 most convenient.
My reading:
9.39
